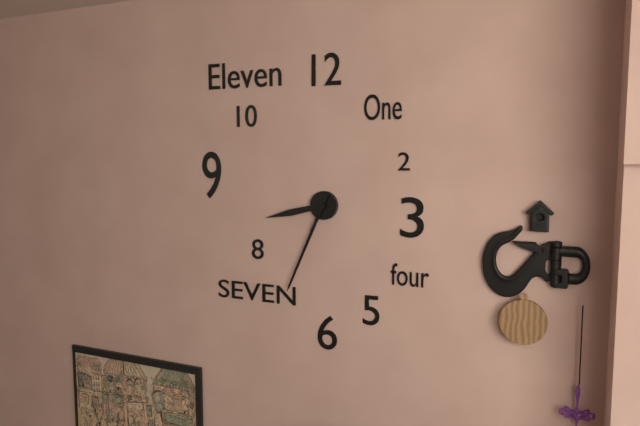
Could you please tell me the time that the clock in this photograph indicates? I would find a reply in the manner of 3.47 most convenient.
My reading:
8.34
